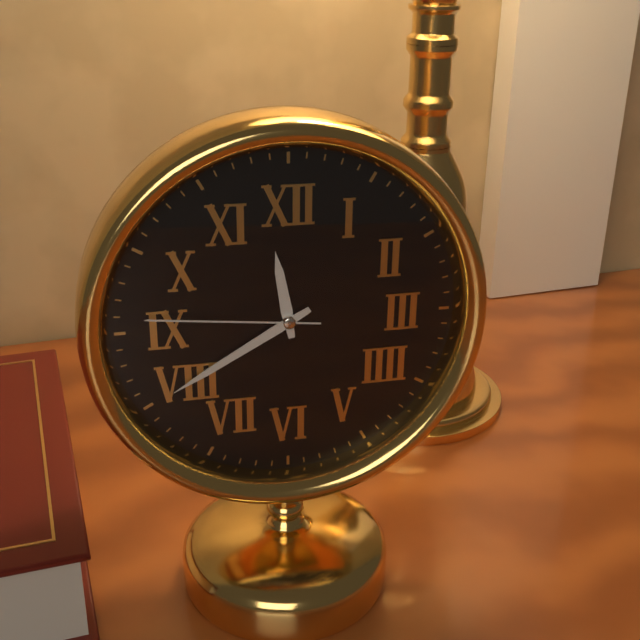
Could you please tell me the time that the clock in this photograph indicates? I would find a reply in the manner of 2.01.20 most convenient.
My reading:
11.40.46
